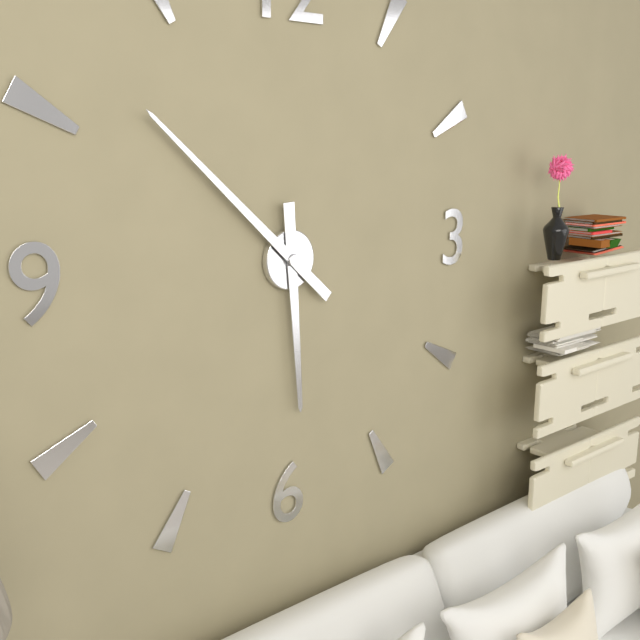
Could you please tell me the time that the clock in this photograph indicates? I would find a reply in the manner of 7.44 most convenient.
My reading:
5.52
